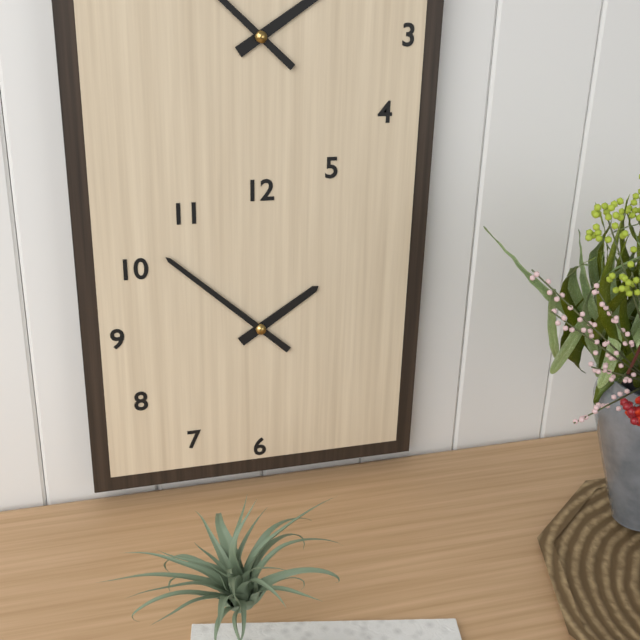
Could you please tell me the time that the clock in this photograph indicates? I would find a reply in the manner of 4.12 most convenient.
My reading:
1.52
